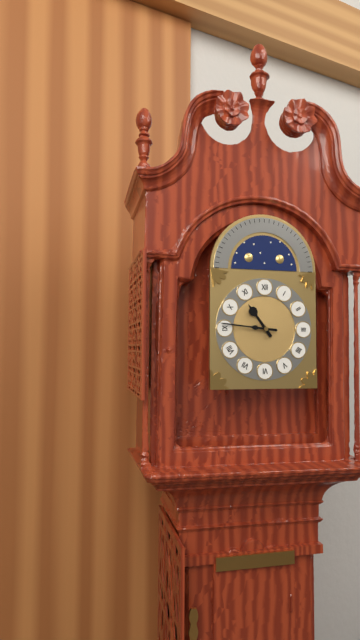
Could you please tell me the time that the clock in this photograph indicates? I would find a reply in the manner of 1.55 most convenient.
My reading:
10.46
